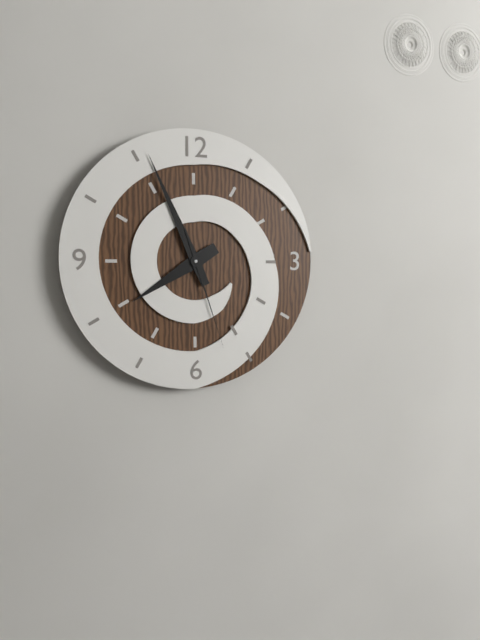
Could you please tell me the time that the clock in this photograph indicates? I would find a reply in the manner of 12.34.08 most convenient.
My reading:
7.56.27
